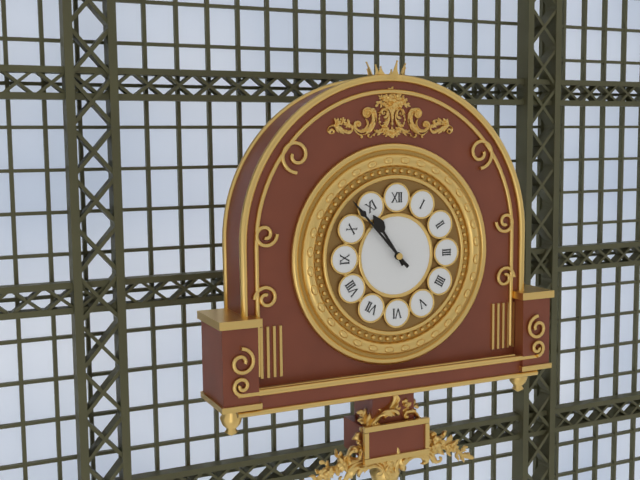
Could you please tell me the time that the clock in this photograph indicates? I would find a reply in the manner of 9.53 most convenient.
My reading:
10.53
